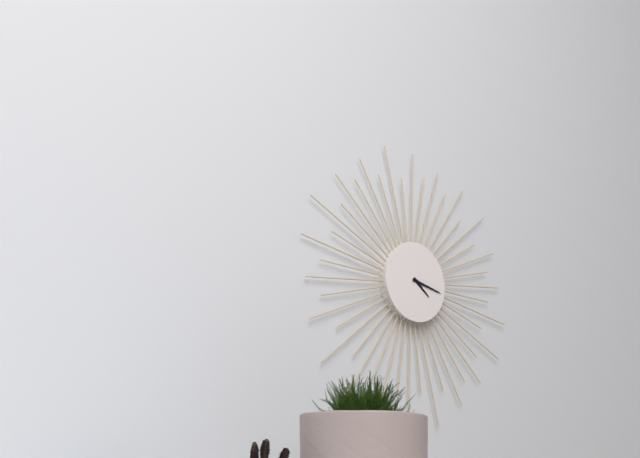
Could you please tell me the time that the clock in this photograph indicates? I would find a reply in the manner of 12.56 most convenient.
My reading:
4.17
